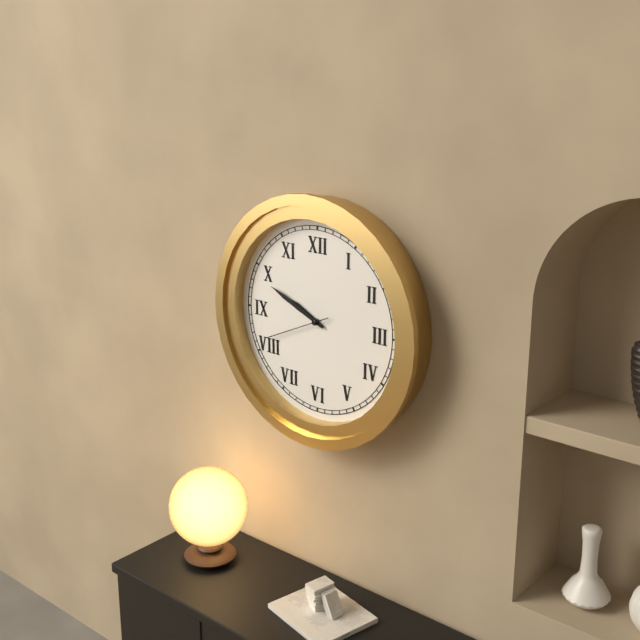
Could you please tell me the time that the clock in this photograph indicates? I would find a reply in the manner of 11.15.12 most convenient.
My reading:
9.49.41
